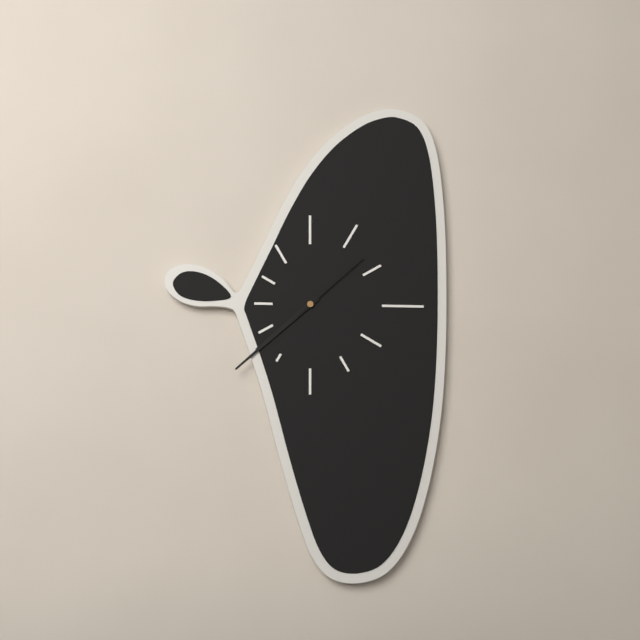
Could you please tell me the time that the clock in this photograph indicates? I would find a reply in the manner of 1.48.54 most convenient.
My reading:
7.38.08
